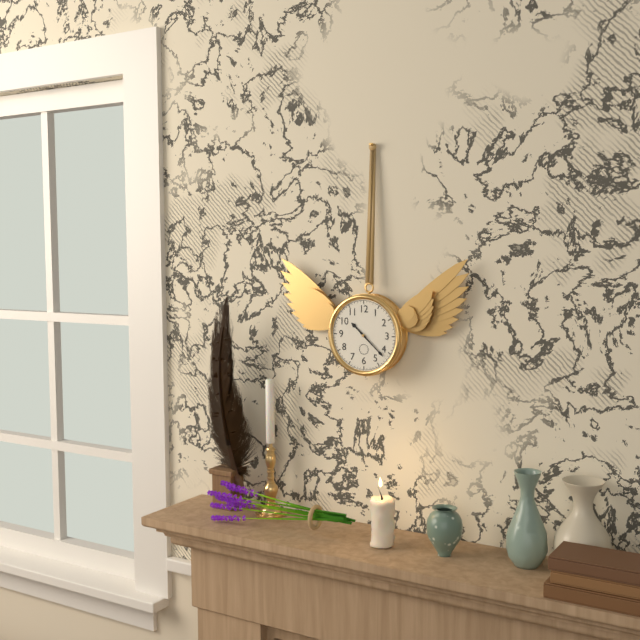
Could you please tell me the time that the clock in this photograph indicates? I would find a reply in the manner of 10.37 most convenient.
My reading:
10.22
